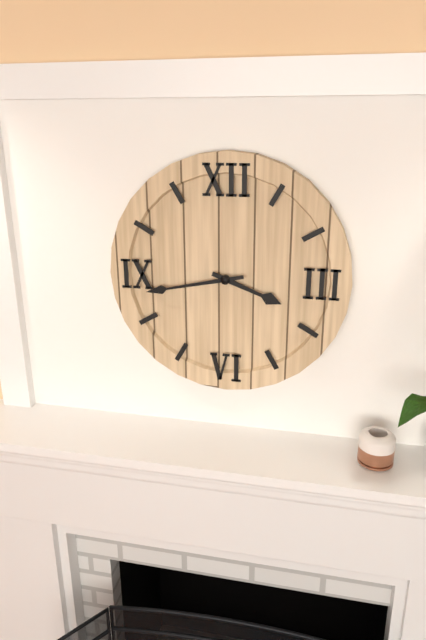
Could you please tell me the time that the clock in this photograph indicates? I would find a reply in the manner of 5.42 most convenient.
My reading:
3.43
